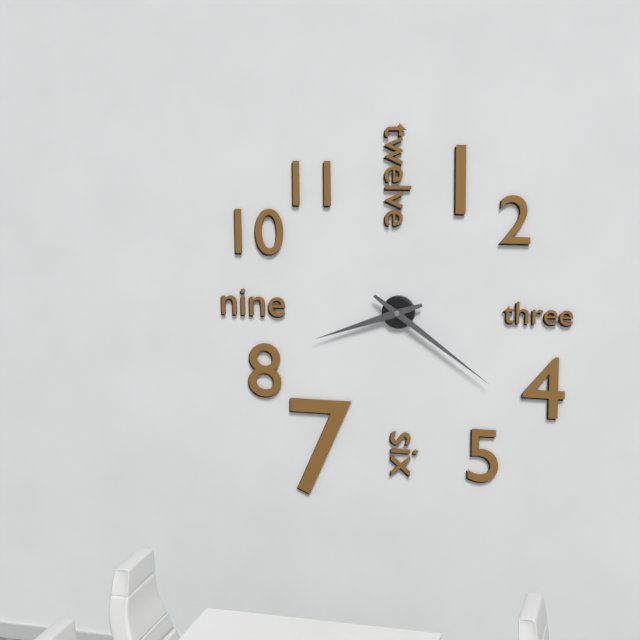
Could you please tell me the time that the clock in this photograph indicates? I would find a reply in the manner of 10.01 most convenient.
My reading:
8.21
